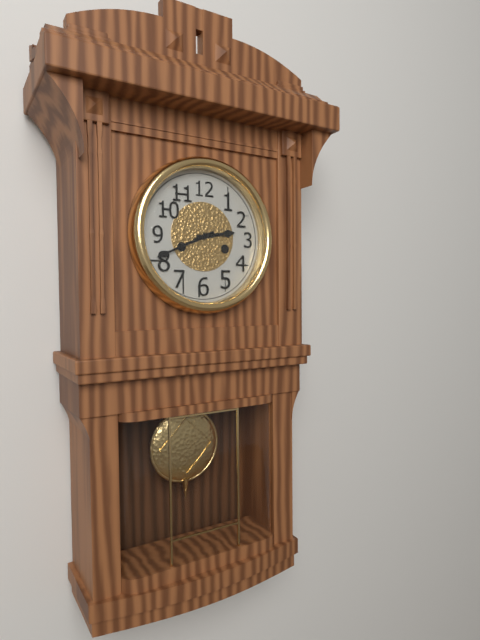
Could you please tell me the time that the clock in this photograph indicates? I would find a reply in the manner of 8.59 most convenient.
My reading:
2.41
